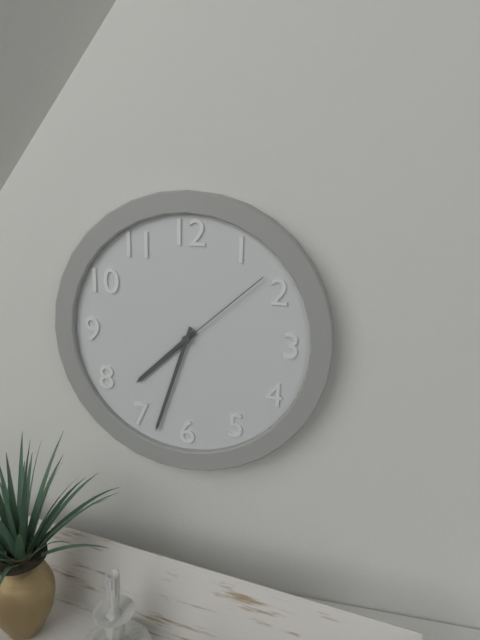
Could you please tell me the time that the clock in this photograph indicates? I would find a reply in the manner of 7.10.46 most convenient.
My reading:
7.33.08
